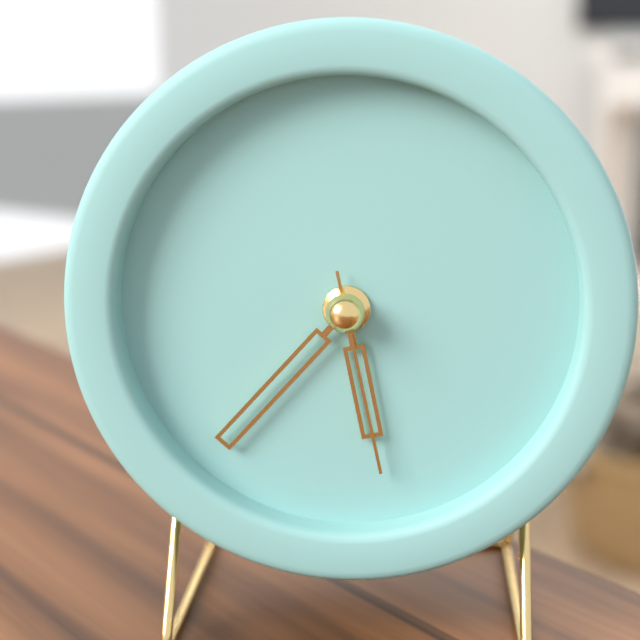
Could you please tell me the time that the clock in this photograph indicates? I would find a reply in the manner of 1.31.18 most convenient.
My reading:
5.37.28
